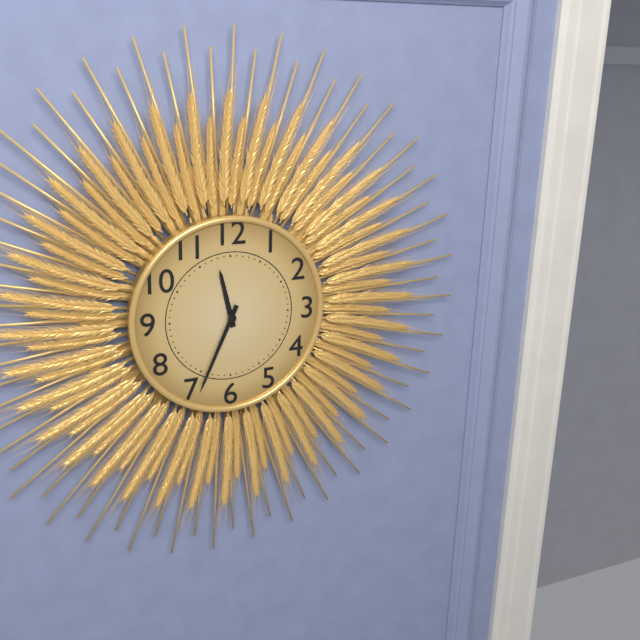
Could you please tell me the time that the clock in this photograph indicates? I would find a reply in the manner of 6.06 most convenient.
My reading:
11.34
